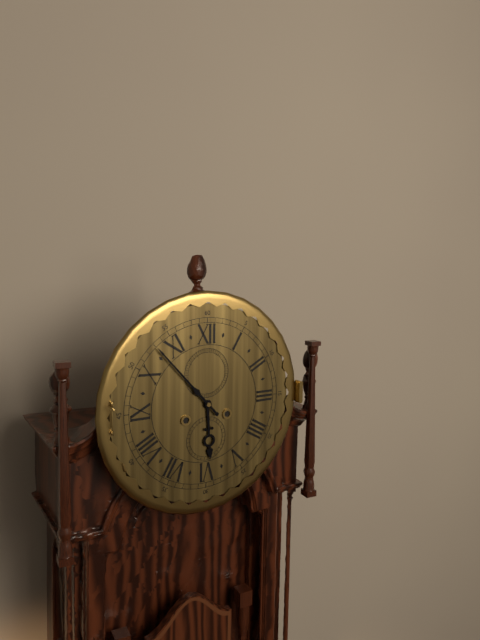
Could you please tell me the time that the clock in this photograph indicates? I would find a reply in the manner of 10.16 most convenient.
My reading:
5.53
